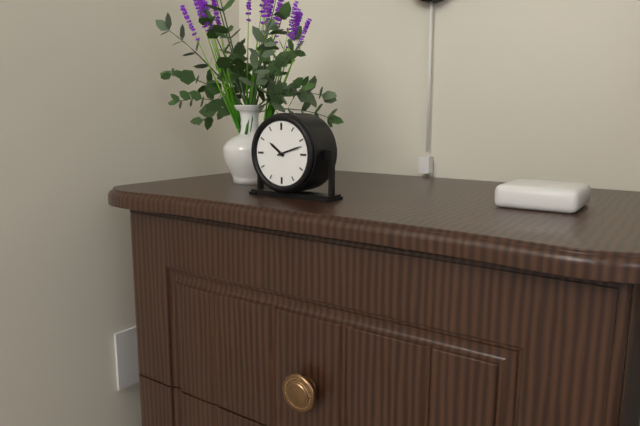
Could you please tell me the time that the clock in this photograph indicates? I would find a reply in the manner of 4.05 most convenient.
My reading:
10.12
